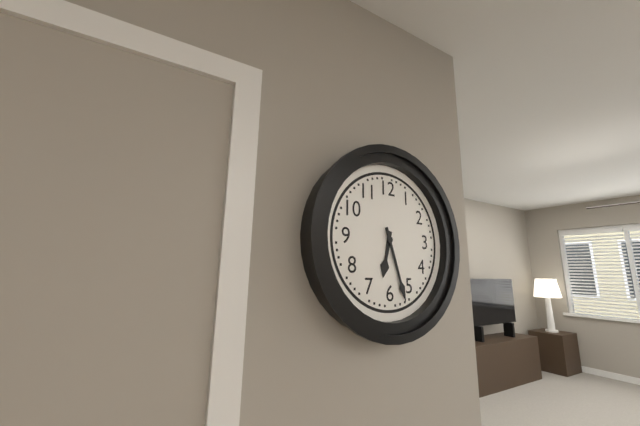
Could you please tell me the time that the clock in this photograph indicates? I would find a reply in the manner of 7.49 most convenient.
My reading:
6.27
